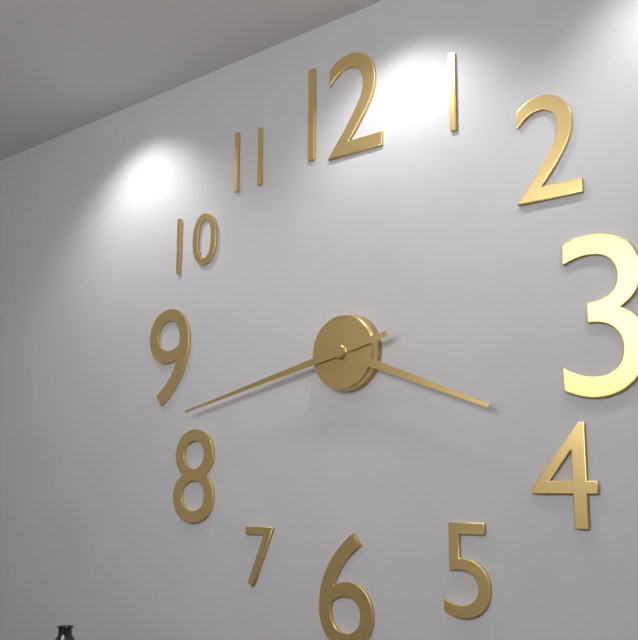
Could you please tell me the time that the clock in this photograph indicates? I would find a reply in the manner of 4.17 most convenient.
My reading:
3.43
